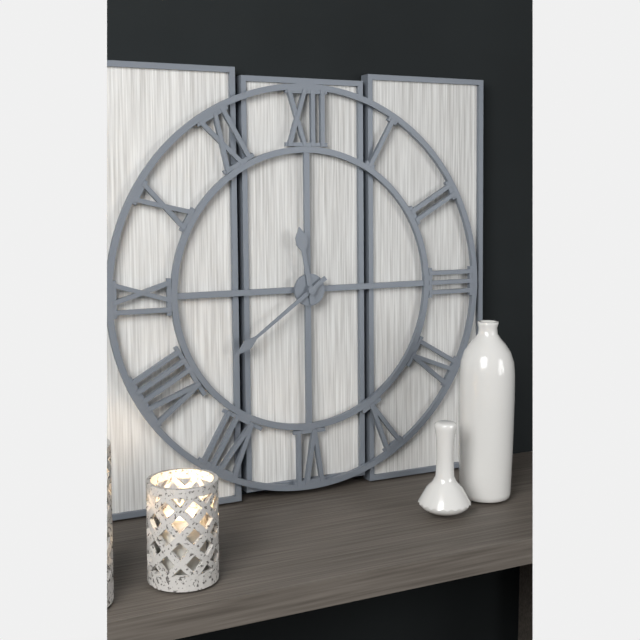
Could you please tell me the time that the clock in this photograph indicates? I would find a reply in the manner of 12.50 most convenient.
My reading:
11.39
